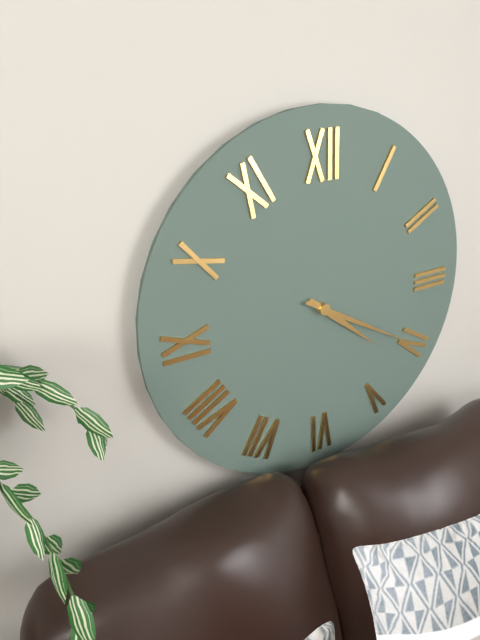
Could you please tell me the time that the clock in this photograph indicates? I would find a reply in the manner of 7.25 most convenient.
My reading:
4.20
